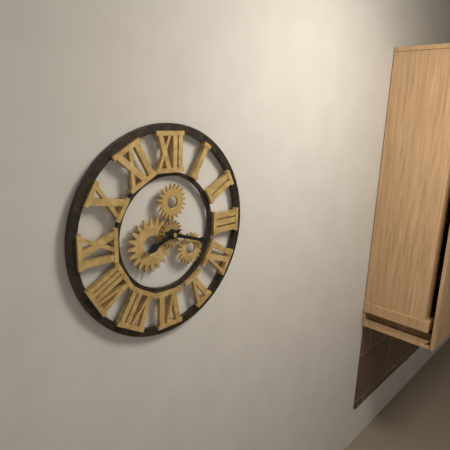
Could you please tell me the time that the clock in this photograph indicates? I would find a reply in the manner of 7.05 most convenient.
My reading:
8.18
